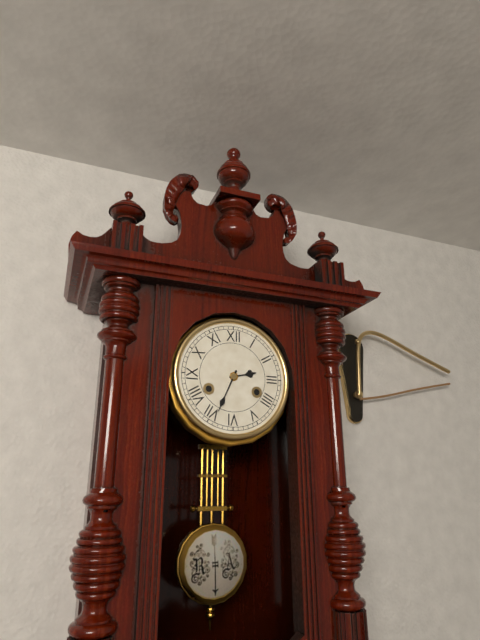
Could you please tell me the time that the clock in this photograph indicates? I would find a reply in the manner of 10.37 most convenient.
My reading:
2.34
